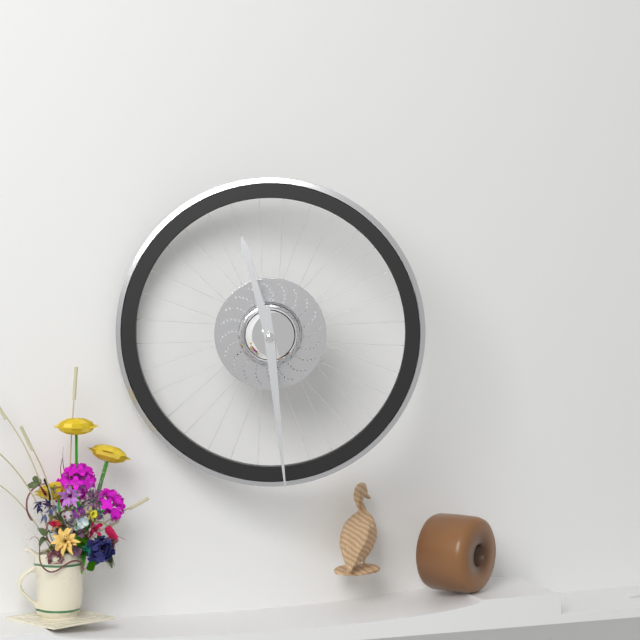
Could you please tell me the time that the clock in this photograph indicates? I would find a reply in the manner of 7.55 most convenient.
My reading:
11.29
